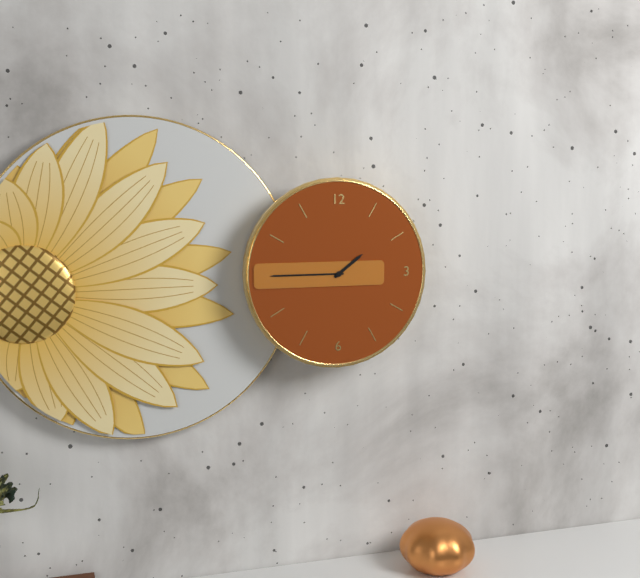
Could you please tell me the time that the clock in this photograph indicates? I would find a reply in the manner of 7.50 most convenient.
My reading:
1.45
